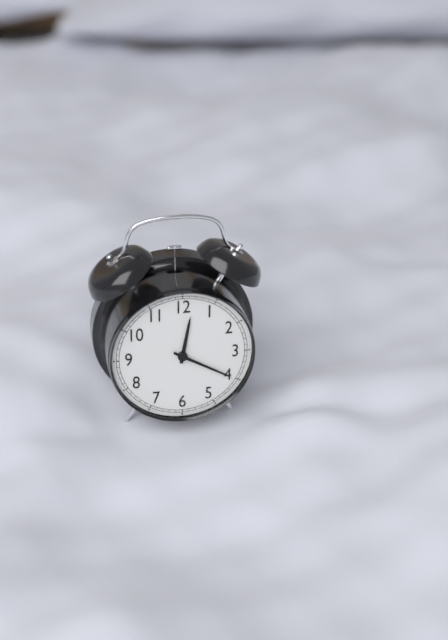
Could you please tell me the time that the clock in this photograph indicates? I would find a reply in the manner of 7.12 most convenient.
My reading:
12.20
